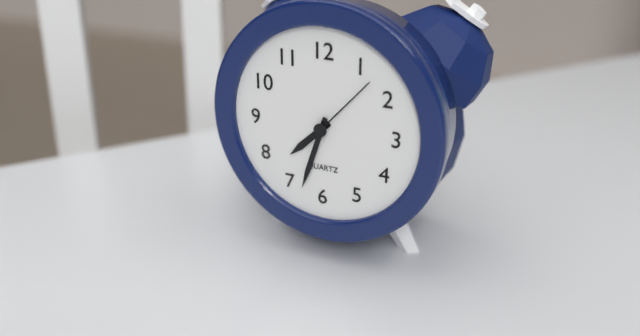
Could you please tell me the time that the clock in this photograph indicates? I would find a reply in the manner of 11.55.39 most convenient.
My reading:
7.33.07
